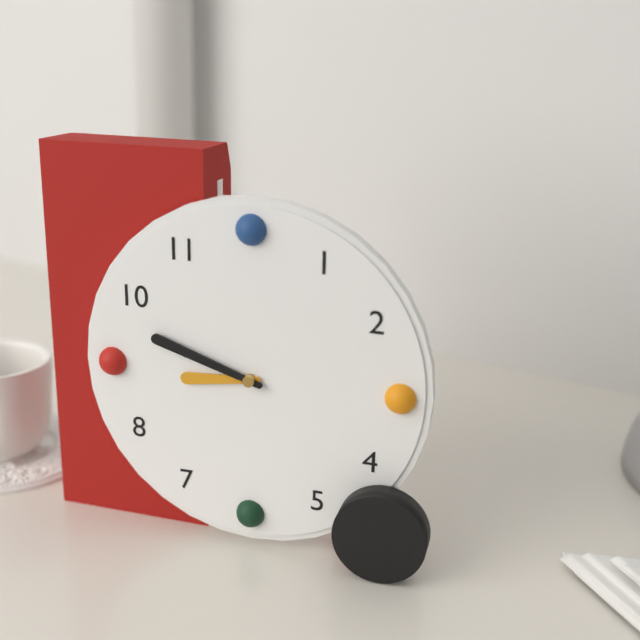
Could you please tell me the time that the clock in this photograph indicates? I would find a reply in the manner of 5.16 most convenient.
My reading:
8.48
